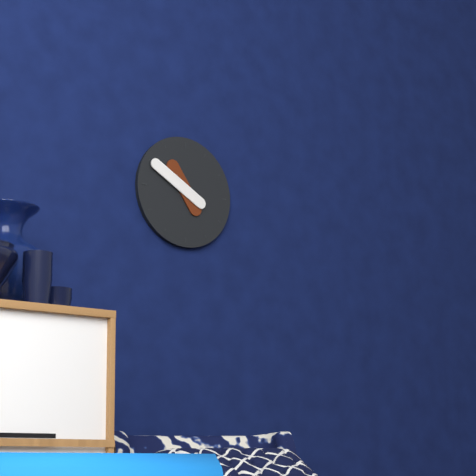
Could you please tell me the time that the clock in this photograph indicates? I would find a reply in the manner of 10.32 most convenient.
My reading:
10.50
